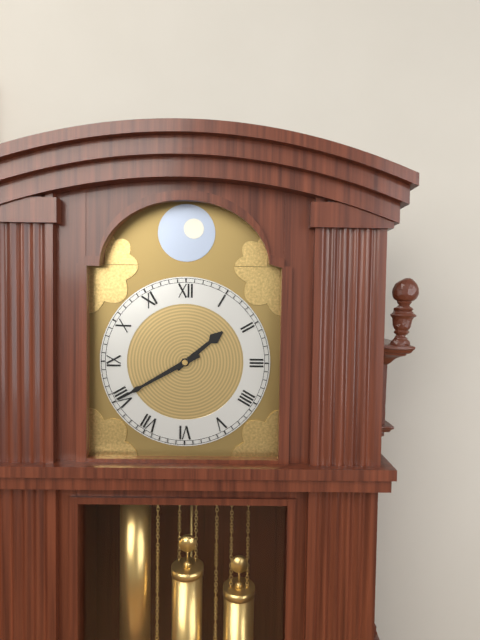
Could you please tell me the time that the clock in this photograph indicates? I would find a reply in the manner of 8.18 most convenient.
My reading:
1.40
